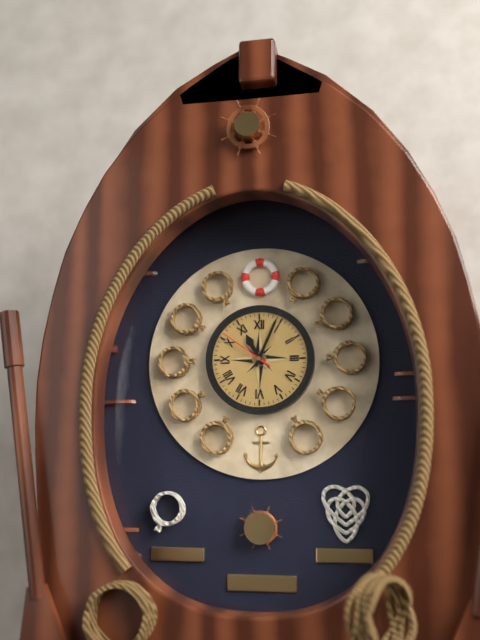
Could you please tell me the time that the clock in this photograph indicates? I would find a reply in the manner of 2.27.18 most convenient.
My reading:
11.04.51
